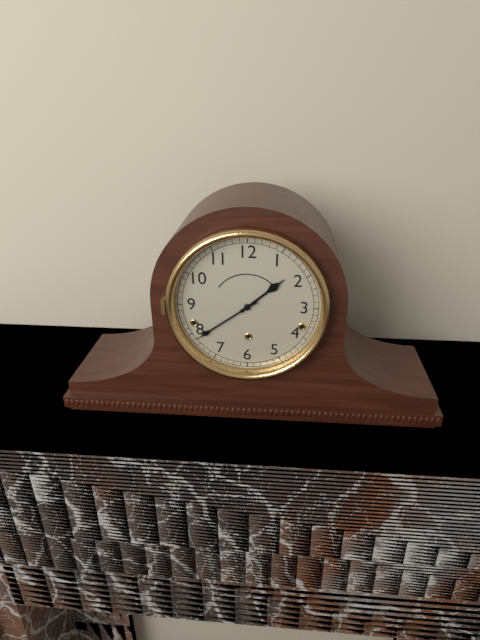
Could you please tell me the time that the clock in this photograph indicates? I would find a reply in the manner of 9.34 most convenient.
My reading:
1.39
